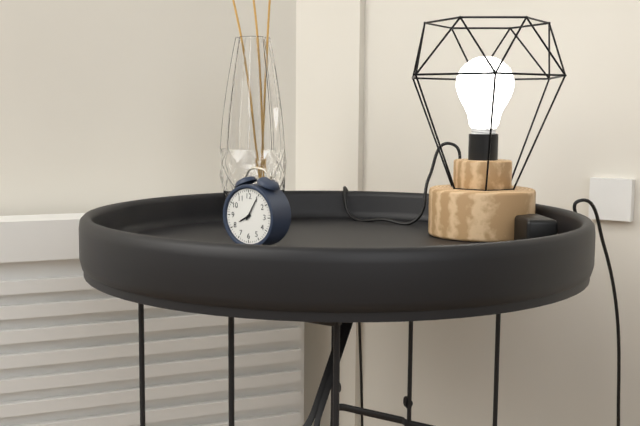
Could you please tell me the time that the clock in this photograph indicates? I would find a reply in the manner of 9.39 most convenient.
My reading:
8.05
